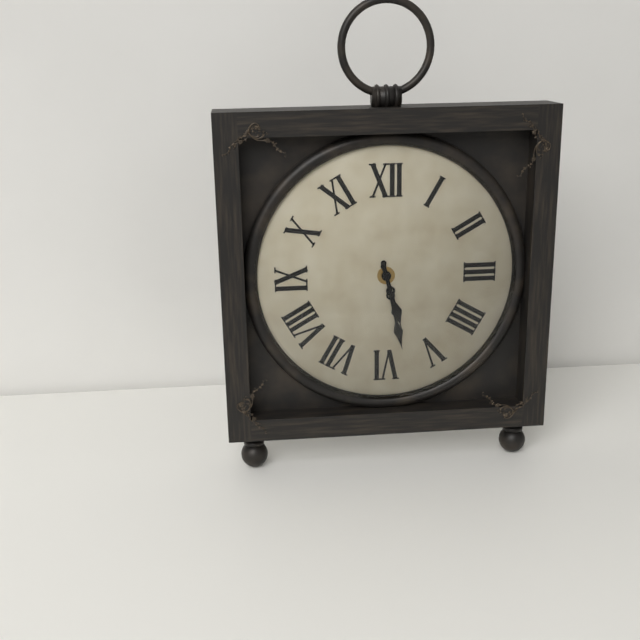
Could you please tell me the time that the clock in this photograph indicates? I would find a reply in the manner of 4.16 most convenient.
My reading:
5.28
